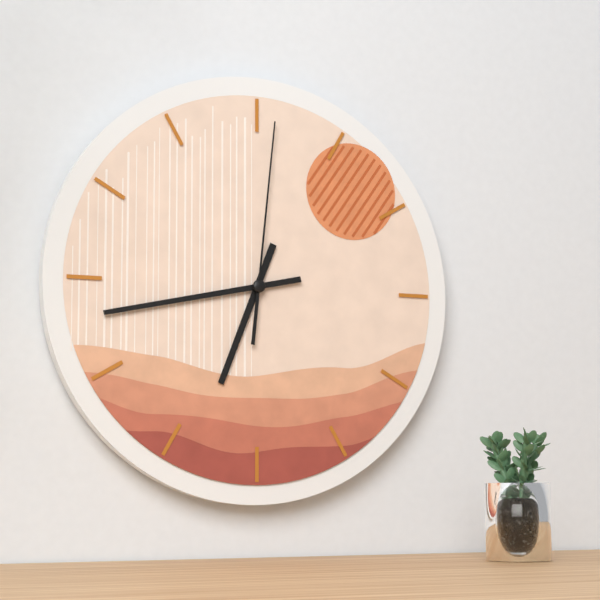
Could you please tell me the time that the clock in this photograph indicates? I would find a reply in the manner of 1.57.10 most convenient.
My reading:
6.43.01
